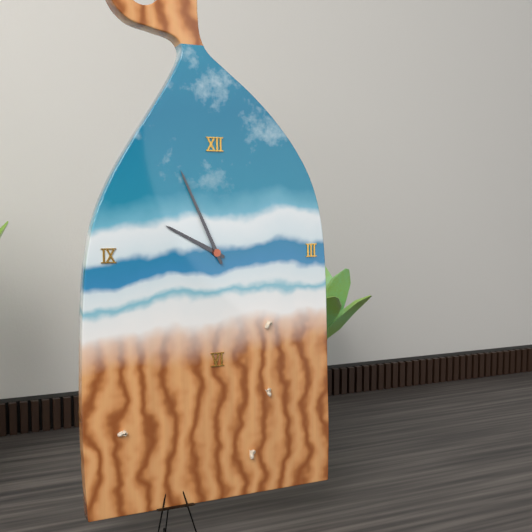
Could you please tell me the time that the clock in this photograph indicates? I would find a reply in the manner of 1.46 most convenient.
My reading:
9.56
